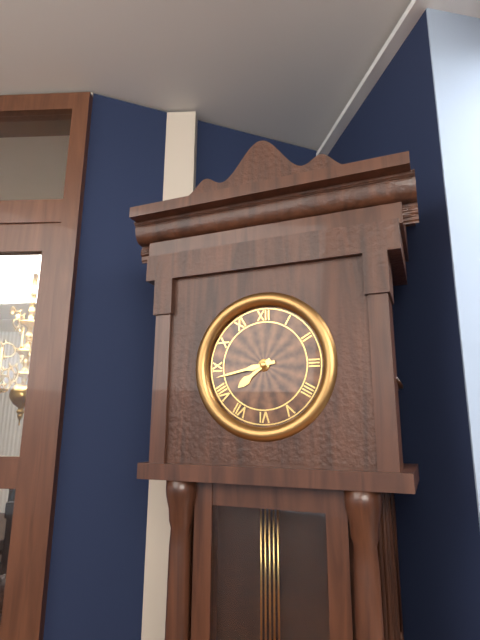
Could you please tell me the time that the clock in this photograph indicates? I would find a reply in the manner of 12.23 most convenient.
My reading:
7.43
